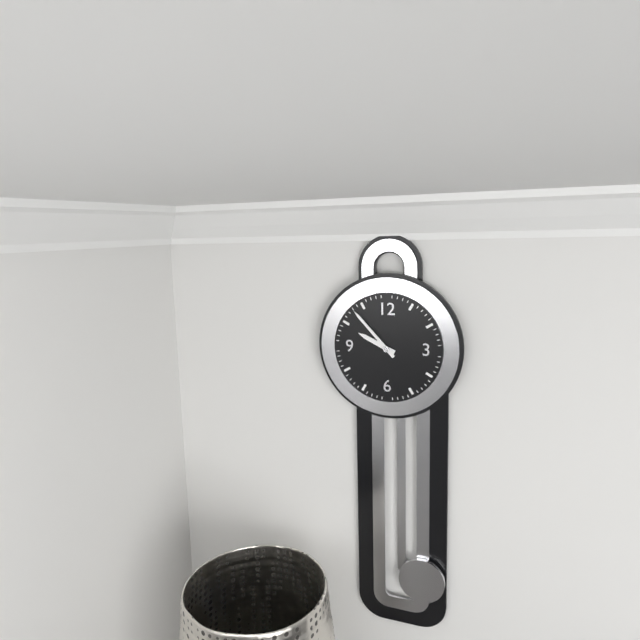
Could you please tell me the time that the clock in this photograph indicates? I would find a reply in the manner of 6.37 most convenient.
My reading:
9.53
